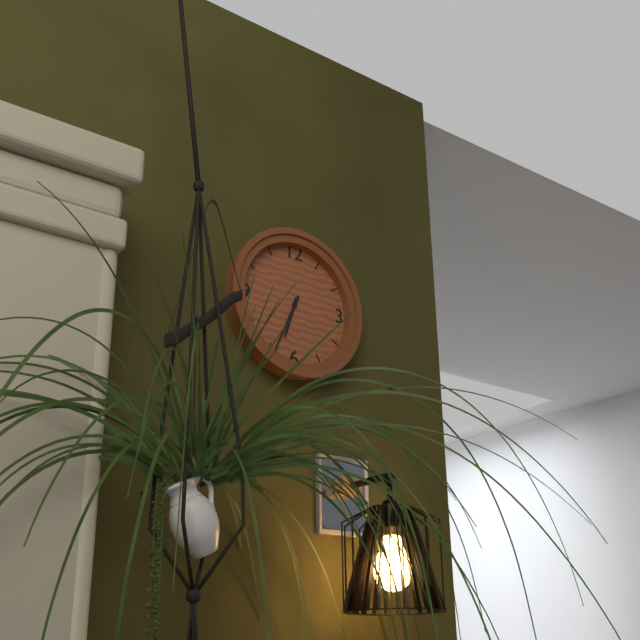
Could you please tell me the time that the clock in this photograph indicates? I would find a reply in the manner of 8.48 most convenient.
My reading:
6.34
